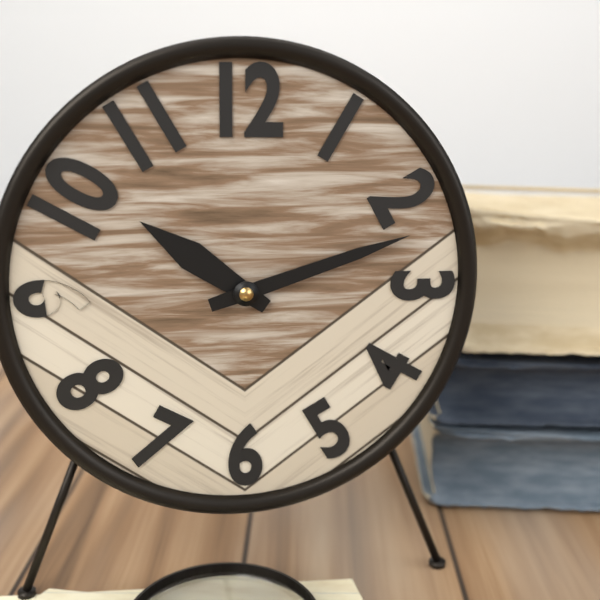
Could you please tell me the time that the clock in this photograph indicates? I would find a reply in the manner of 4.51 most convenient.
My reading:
10.12
